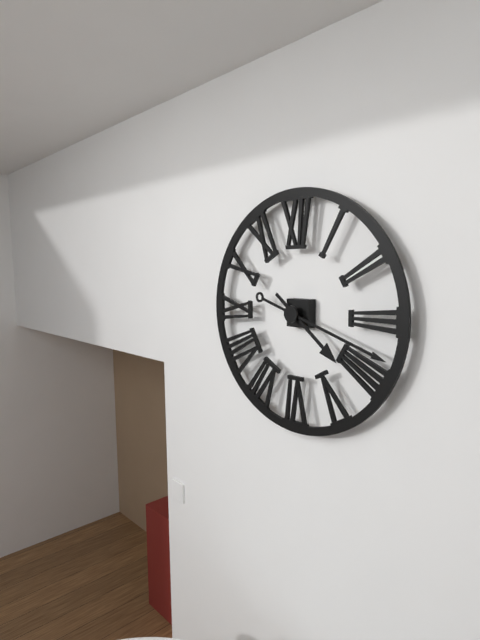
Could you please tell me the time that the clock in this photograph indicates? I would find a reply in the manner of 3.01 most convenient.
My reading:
4.18
